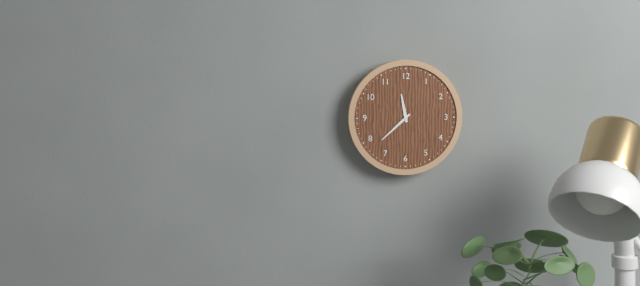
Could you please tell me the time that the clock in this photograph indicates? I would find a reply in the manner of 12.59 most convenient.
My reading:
11.38
